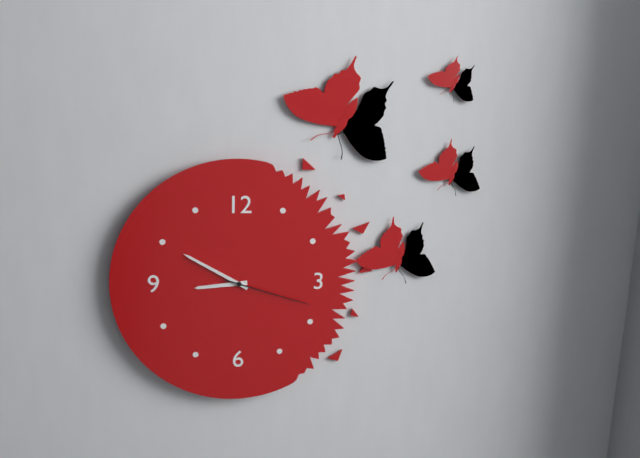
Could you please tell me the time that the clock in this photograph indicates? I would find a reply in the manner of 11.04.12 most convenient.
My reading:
8.50.18
